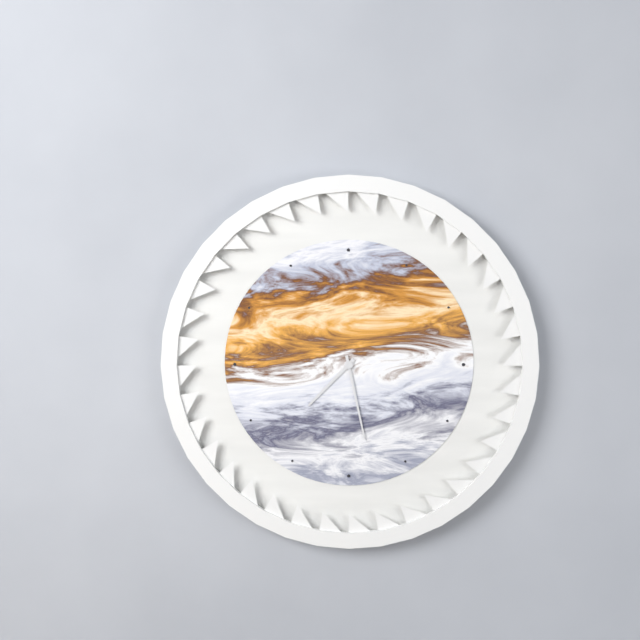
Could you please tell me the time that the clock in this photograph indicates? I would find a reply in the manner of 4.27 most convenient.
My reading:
7.28
